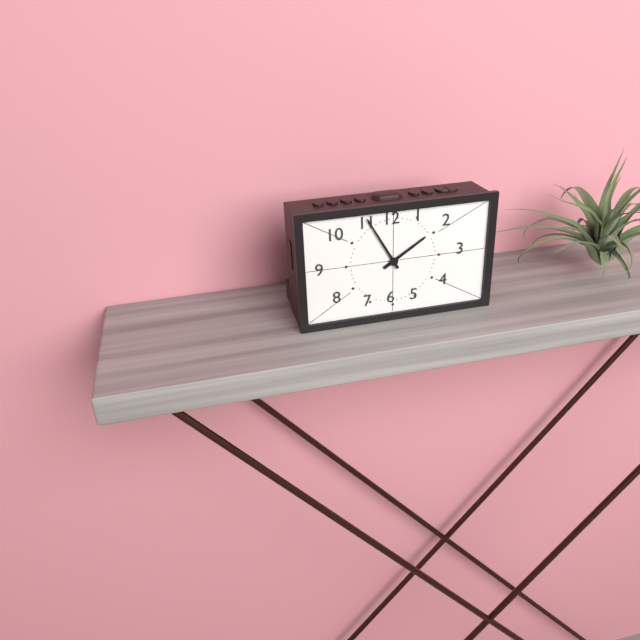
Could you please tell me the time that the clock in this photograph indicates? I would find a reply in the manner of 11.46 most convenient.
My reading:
1.55
